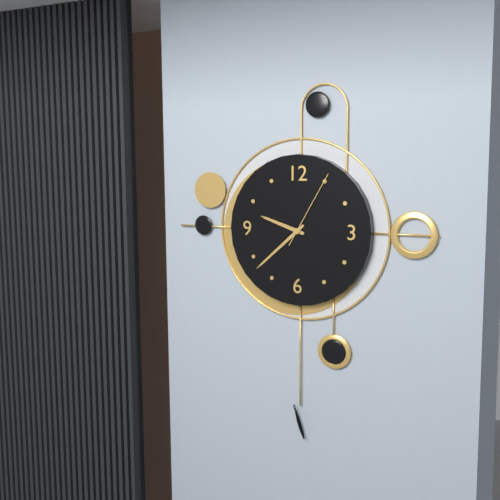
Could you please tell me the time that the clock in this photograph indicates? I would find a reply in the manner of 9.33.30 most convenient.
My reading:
9.38.05
